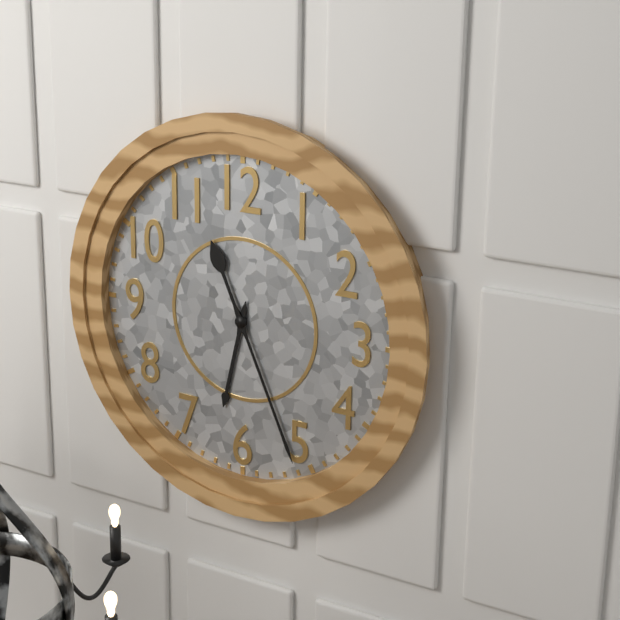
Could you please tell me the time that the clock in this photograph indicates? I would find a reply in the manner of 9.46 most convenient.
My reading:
6.26
